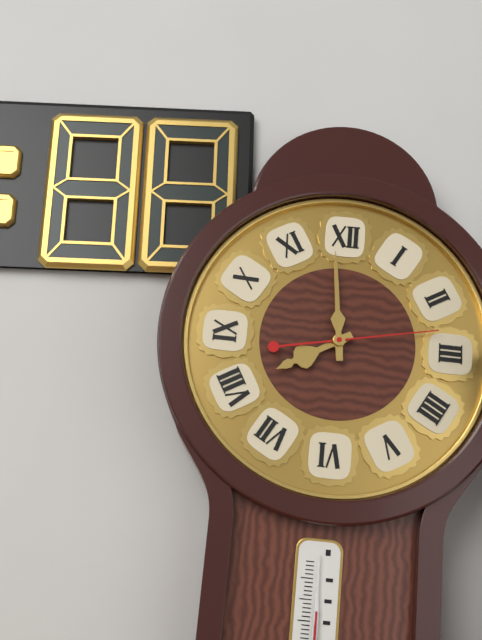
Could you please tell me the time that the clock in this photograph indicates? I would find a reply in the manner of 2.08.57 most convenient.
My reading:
7.59.13
